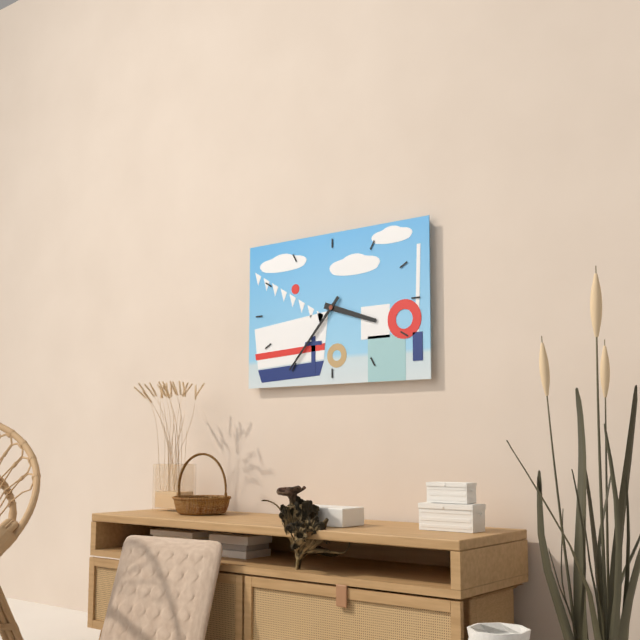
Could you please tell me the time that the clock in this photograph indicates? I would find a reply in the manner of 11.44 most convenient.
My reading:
3.37
